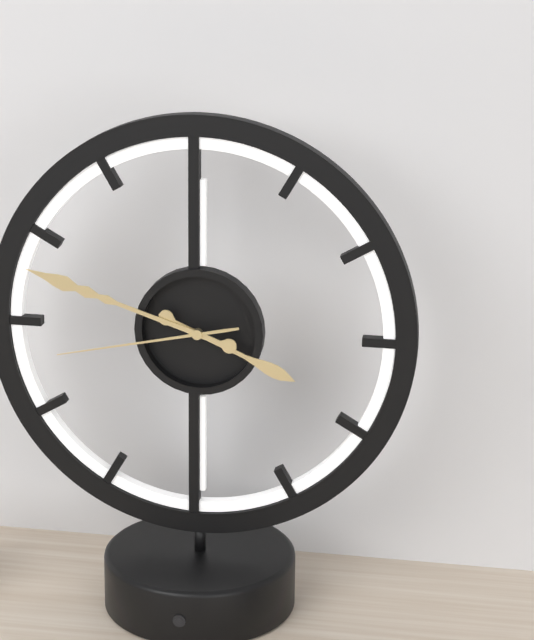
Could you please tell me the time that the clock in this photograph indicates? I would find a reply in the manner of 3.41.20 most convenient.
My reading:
3.48.43
